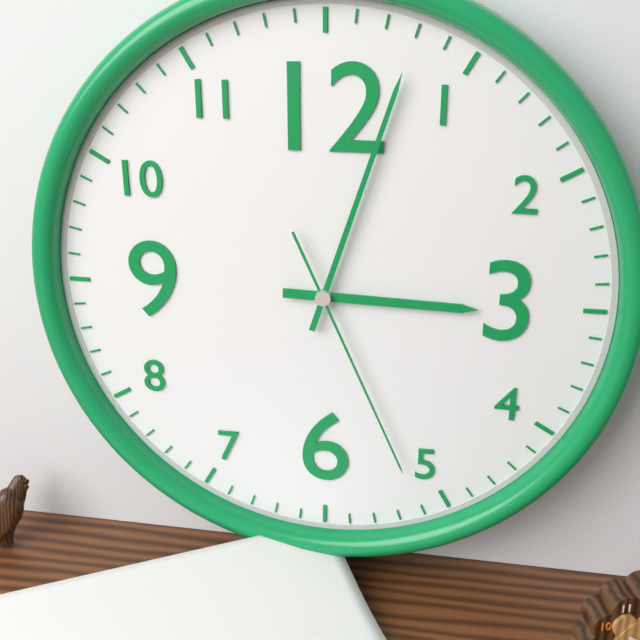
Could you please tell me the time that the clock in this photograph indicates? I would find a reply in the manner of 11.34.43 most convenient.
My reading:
3.03.26
